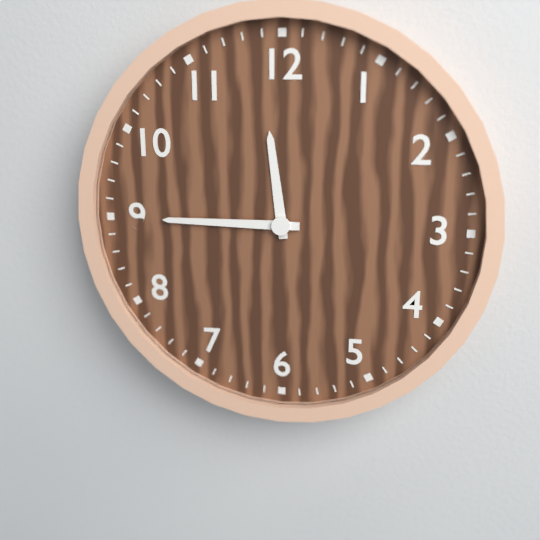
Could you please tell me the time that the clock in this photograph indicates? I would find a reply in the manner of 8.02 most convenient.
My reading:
11.45
